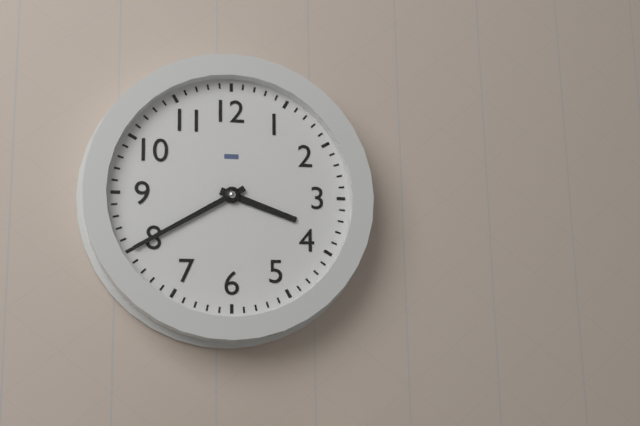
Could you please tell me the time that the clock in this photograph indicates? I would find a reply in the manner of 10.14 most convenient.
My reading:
3.40
